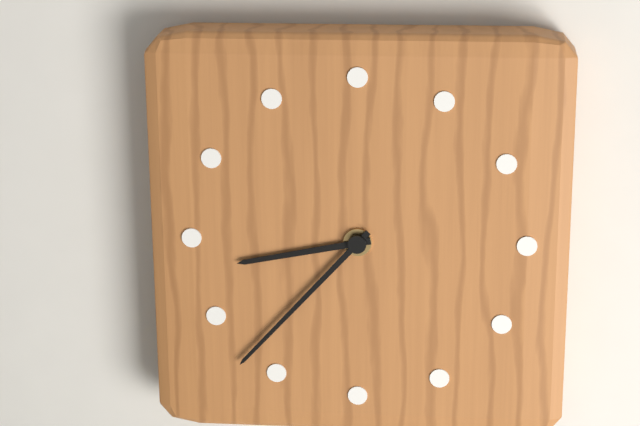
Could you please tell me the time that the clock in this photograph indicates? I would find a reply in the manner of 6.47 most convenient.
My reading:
8.37
